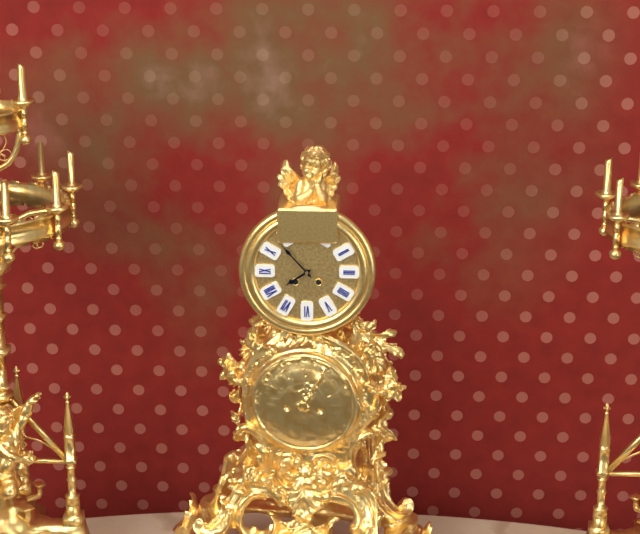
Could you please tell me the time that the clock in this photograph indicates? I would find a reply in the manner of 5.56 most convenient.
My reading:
7.53
